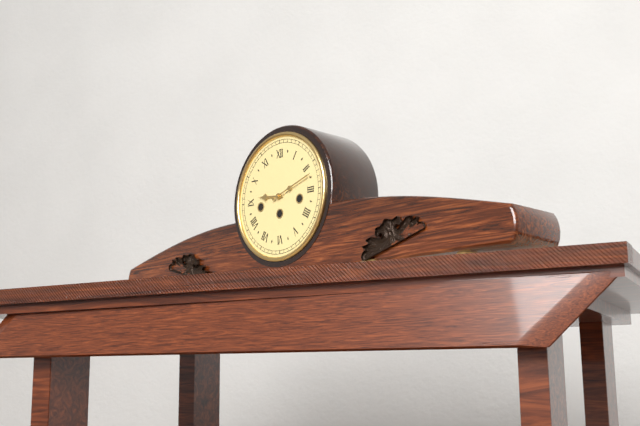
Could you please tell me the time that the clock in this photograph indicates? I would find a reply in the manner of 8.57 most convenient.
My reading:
9.12
